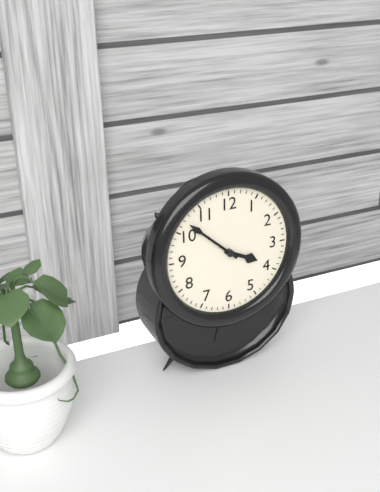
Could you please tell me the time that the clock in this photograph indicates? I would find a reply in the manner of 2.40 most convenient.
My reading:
3.52
